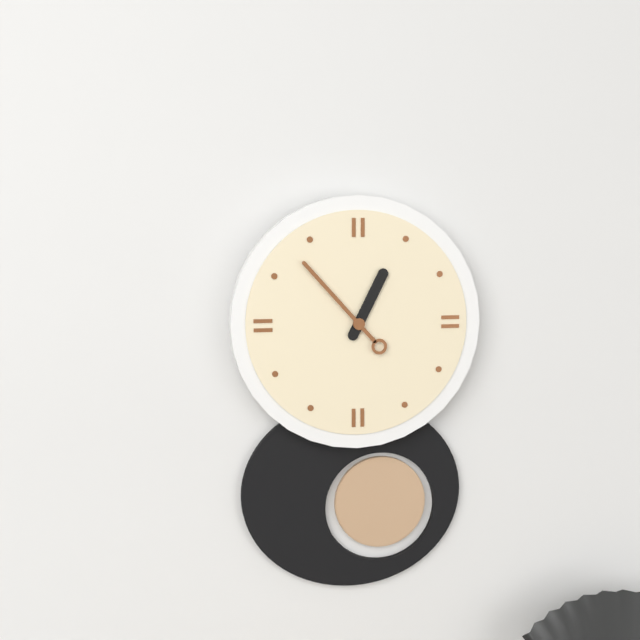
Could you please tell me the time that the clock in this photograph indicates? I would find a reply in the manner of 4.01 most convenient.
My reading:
12.53
